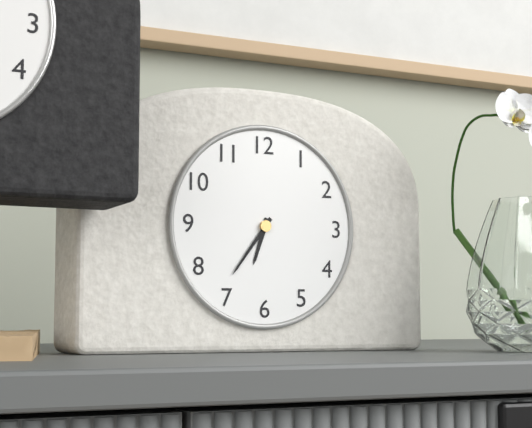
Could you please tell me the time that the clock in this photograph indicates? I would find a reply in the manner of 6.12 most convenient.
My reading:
6.36
